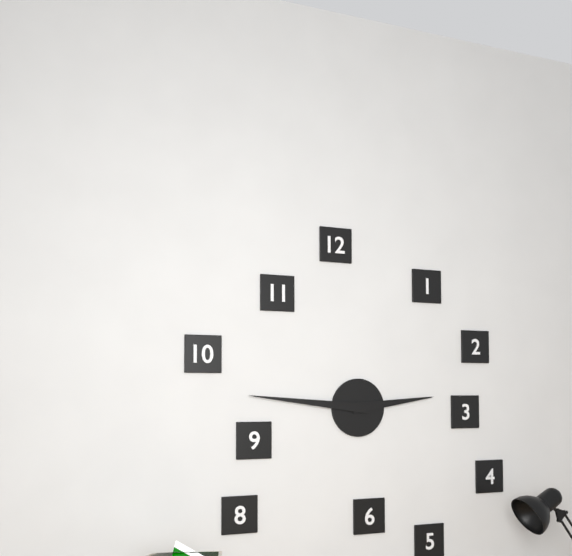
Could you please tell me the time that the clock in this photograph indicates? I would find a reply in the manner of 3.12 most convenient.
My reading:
2.46
